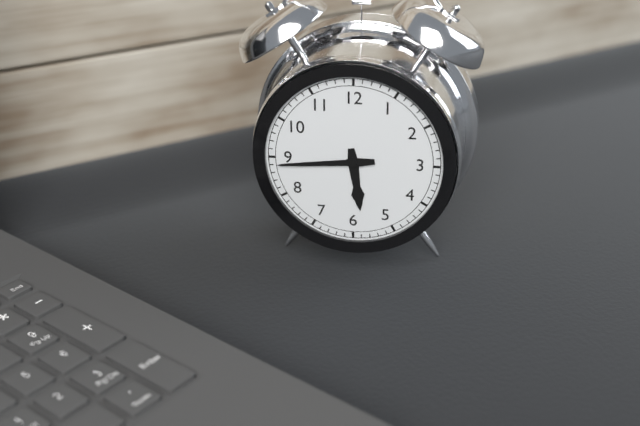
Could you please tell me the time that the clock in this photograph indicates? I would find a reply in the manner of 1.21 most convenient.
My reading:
5.44
